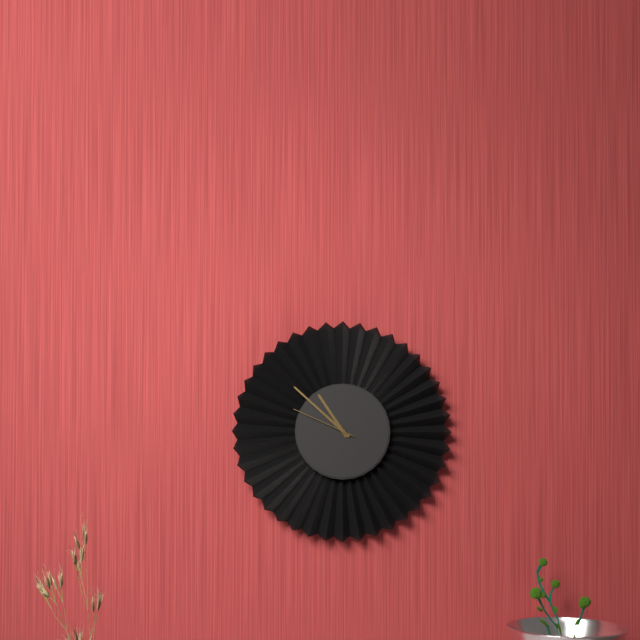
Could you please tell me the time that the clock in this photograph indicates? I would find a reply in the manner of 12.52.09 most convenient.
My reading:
10.52.49
